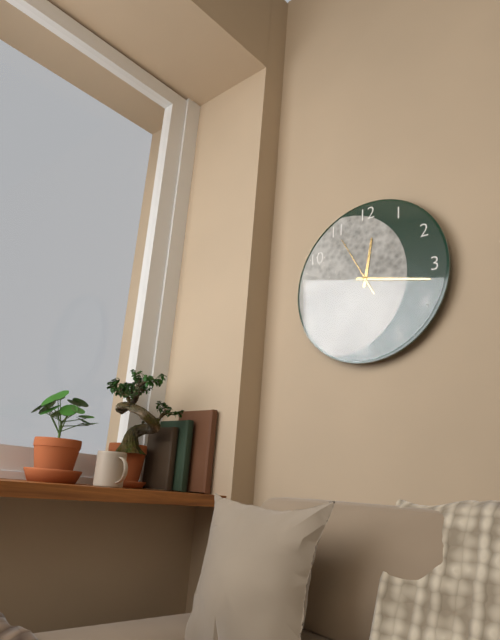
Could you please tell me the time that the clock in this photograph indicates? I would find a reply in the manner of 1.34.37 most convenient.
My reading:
12.17.55
